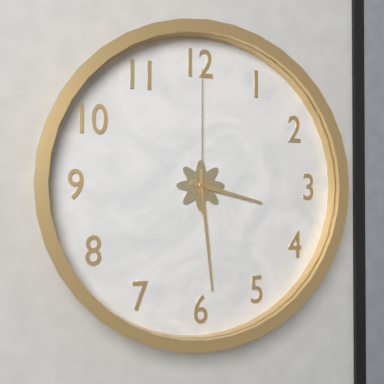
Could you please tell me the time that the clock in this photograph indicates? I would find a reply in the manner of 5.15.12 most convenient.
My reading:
3.29.00
